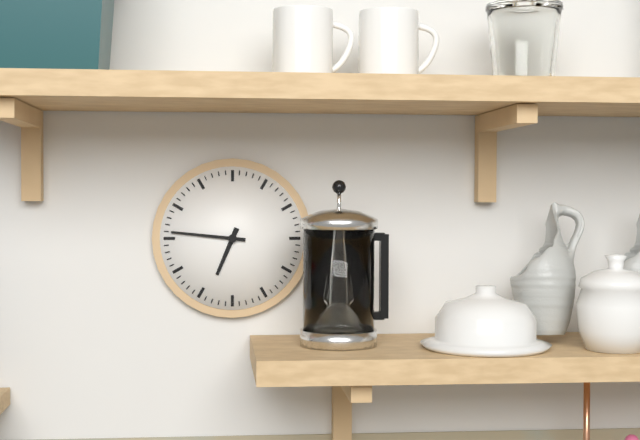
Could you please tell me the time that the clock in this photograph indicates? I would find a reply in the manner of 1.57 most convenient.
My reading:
6.46
